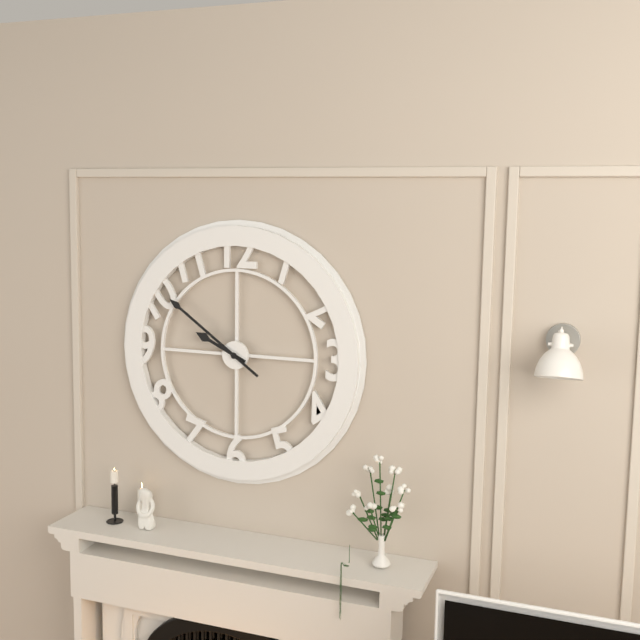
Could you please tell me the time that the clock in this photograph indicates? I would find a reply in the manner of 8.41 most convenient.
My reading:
9.51
